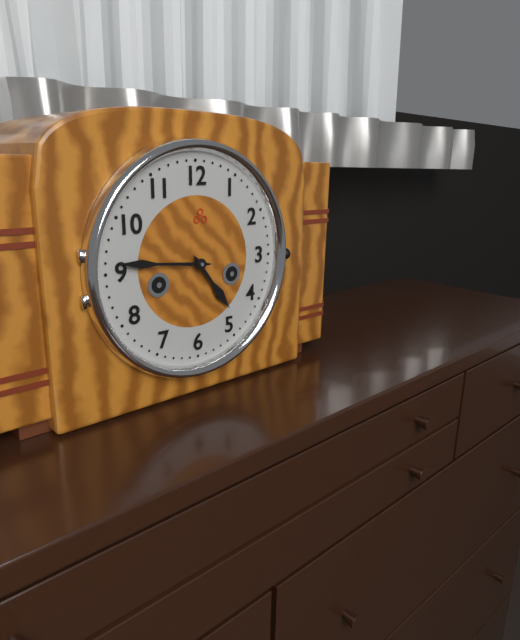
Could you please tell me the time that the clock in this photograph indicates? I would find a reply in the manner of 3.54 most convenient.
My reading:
4.46
